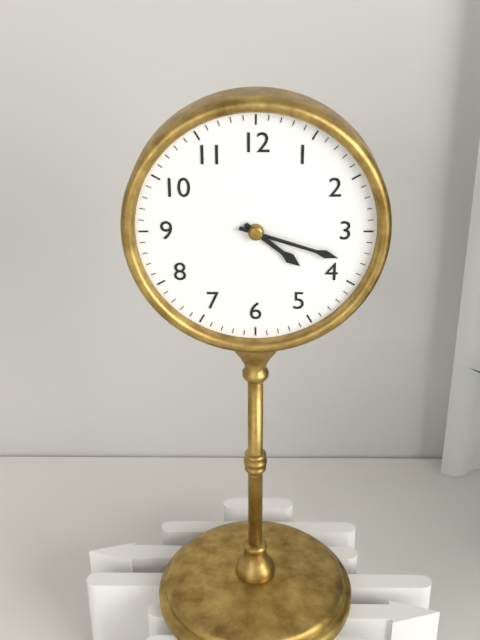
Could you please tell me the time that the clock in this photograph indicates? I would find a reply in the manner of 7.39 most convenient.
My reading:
4.18
